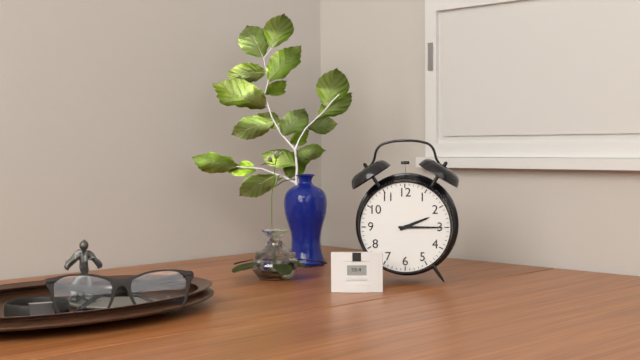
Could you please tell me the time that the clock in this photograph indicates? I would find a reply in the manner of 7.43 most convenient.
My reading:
2.15
